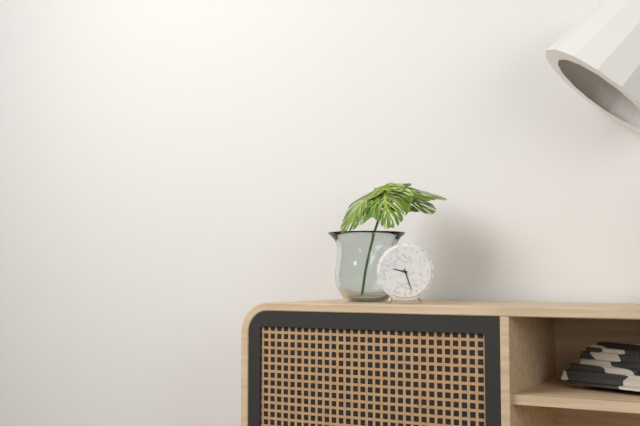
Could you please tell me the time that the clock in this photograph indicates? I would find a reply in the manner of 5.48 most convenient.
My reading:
9.27
